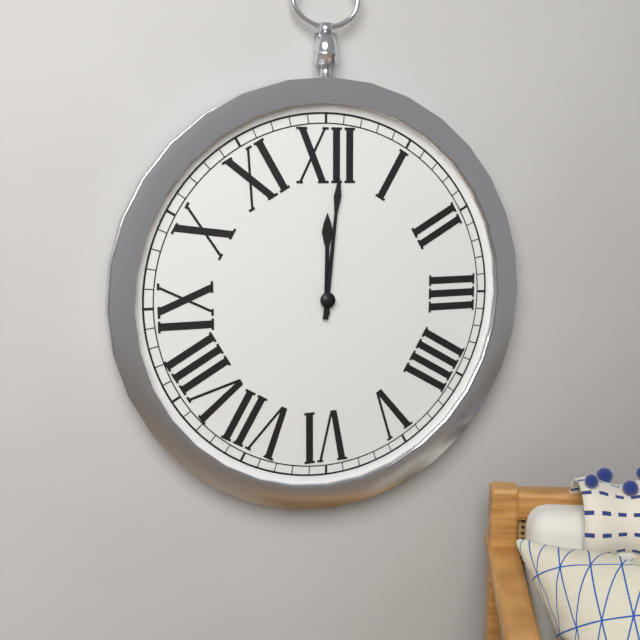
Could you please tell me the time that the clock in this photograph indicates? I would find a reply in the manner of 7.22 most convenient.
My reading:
12.01
